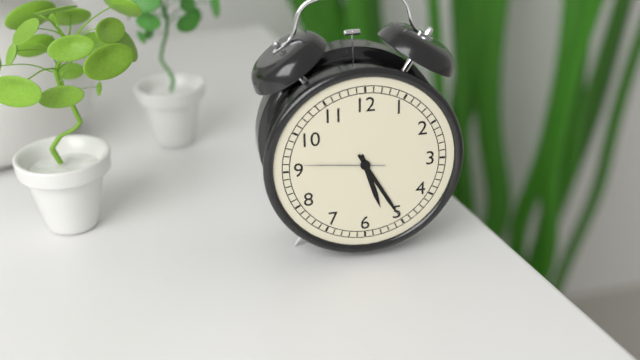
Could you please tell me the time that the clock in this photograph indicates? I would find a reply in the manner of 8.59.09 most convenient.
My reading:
5.25.46
